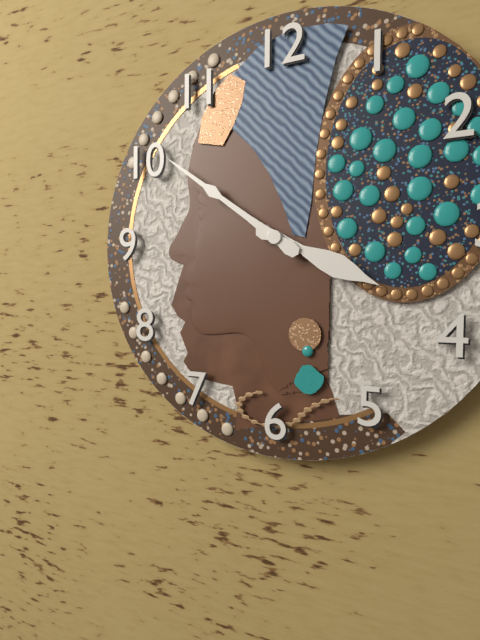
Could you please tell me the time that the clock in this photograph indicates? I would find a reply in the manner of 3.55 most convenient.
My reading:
3.51
